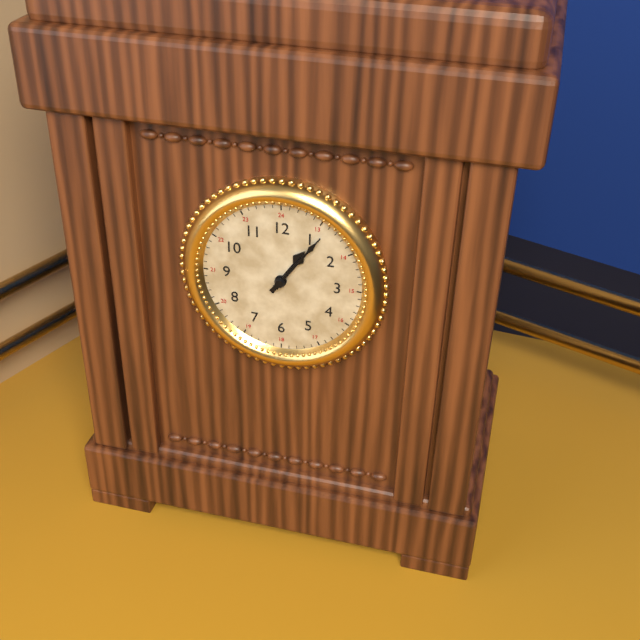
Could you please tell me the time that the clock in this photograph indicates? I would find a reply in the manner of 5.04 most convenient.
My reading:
1.06
